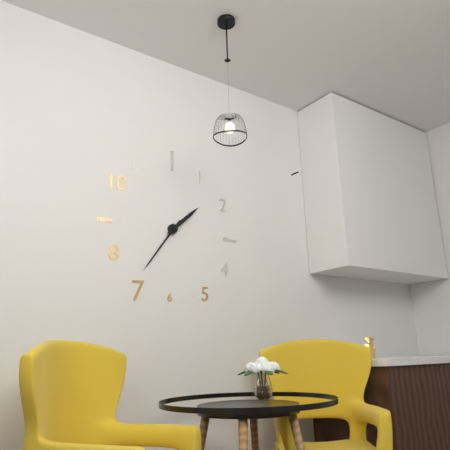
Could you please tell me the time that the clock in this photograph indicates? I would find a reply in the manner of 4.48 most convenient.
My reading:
1.36
